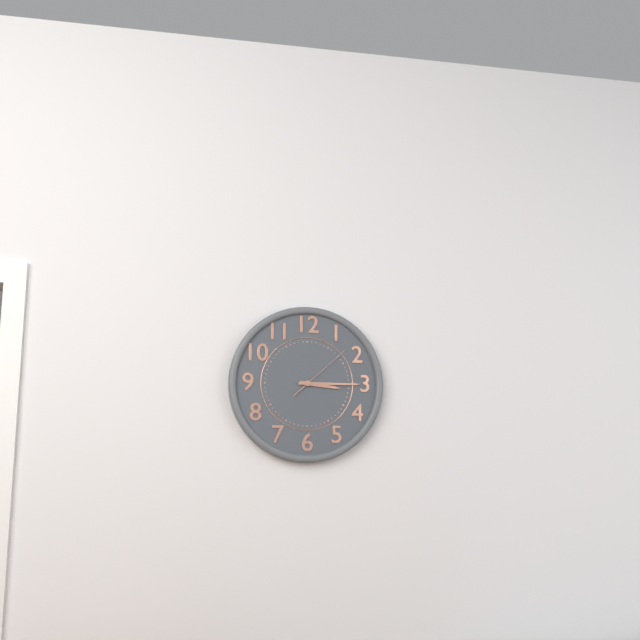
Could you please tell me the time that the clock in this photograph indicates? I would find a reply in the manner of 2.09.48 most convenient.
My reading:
3.15.08
